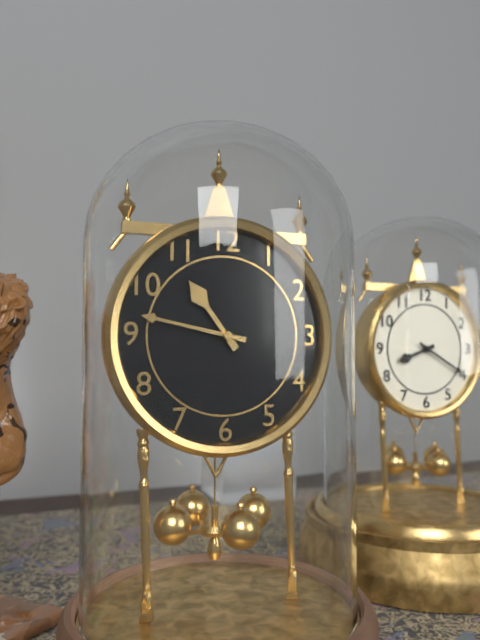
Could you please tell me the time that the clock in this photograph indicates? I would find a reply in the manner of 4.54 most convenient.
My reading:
10.47
